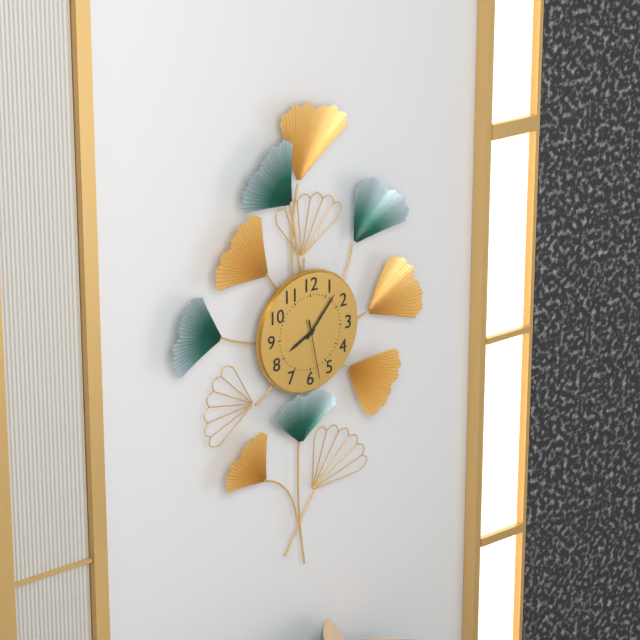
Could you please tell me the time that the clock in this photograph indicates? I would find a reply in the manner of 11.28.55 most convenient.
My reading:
8.07.28
